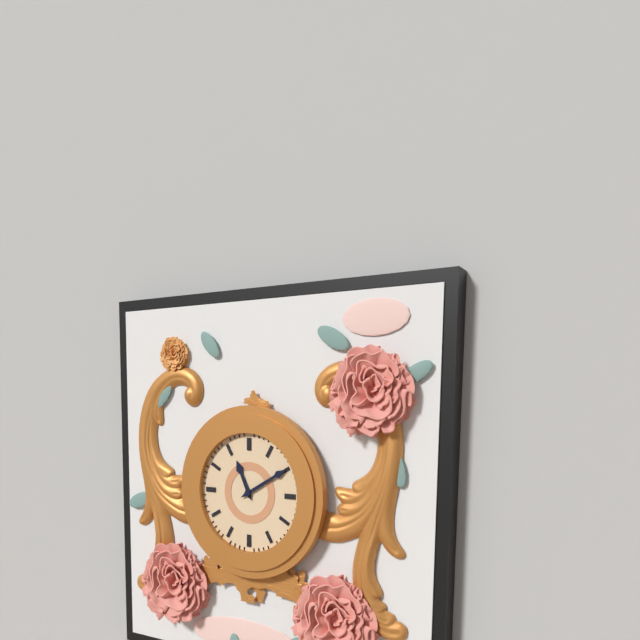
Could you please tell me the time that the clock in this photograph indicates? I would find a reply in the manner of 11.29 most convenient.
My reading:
11.10
